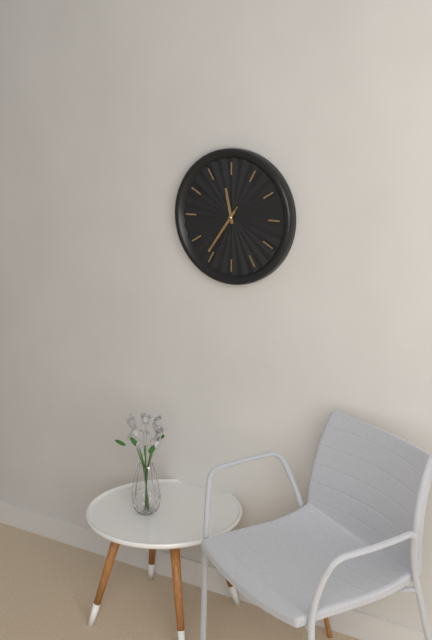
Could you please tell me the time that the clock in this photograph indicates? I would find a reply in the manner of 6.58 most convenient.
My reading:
11.36
